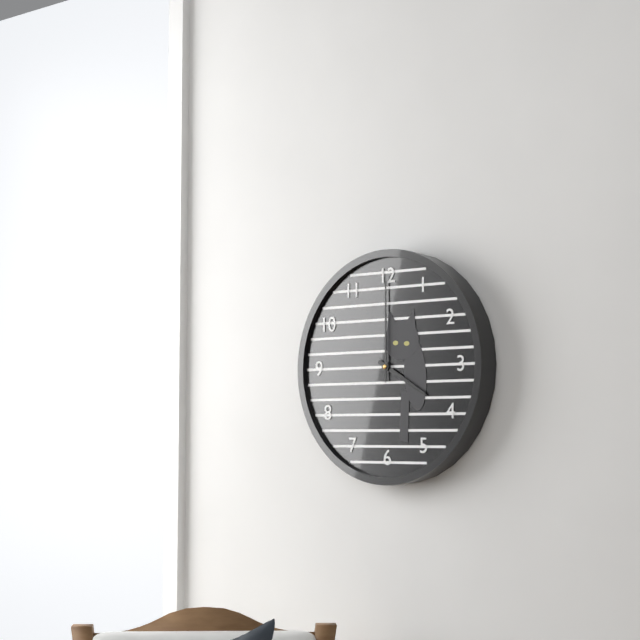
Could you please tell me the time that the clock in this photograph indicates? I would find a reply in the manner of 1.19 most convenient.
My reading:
4.00
